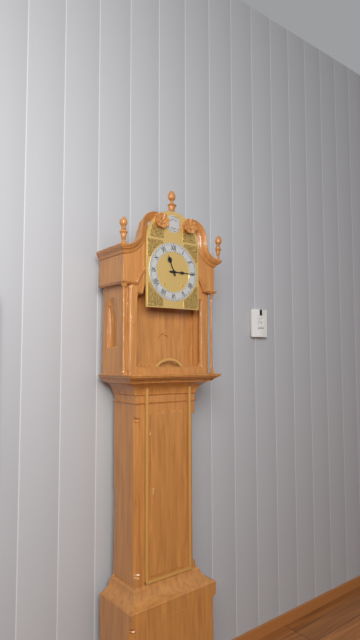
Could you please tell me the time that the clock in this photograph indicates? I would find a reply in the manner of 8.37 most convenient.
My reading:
11.15
